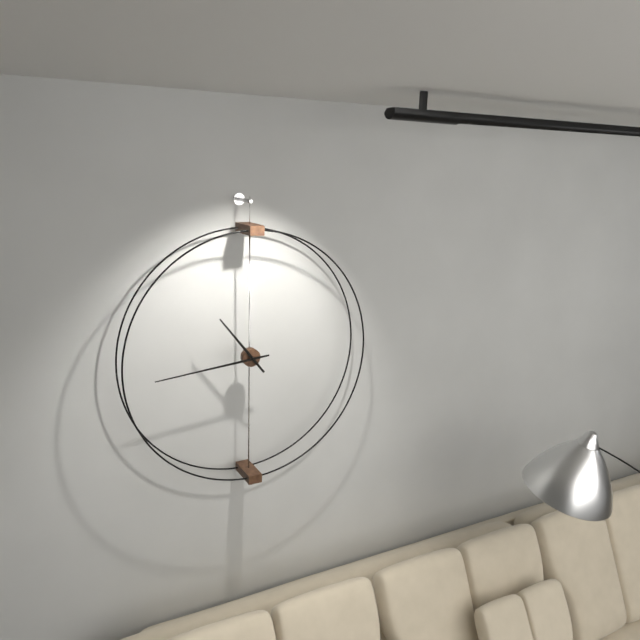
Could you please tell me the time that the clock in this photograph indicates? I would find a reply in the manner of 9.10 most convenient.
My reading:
10.44
